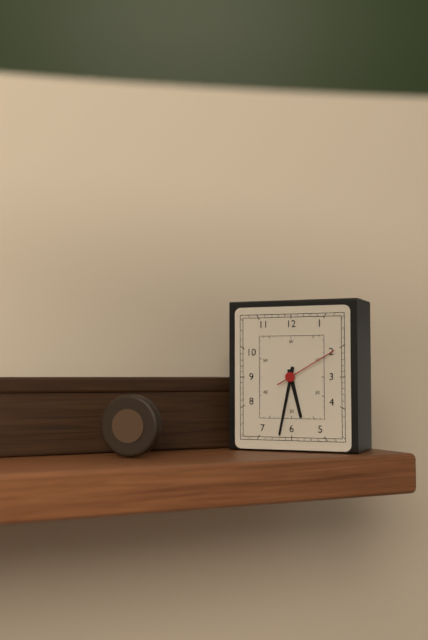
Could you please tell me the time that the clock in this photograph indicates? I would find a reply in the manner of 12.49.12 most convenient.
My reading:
5.32.10
